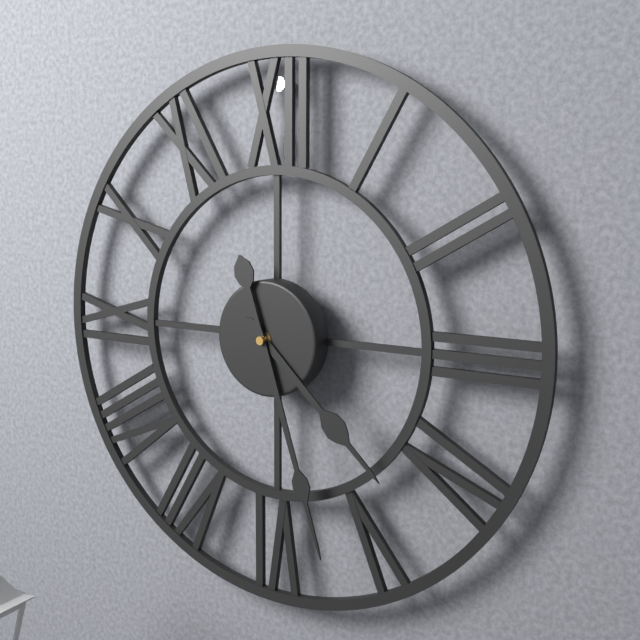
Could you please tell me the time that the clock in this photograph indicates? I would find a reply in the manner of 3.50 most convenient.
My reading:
4.27
